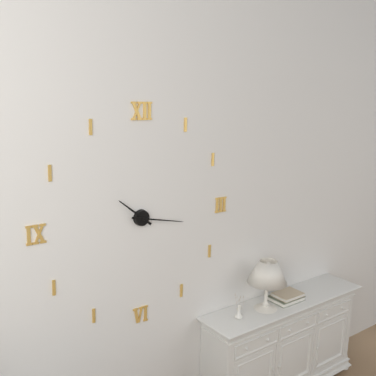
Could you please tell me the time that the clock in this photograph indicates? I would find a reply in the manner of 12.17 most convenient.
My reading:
10.17
